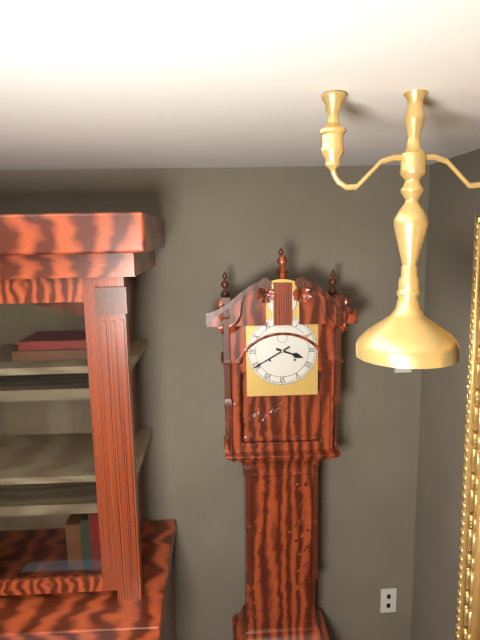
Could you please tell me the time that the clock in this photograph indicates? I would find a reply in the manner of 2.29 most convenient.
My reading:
3.40
